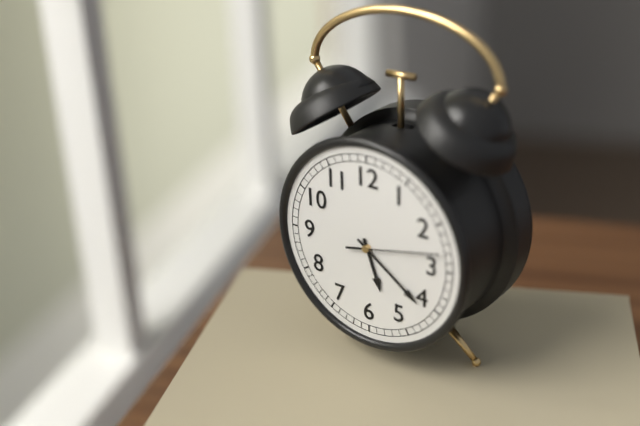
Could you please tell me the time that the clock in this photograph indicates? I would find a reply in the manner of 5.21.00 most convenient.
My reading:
5.21.13
